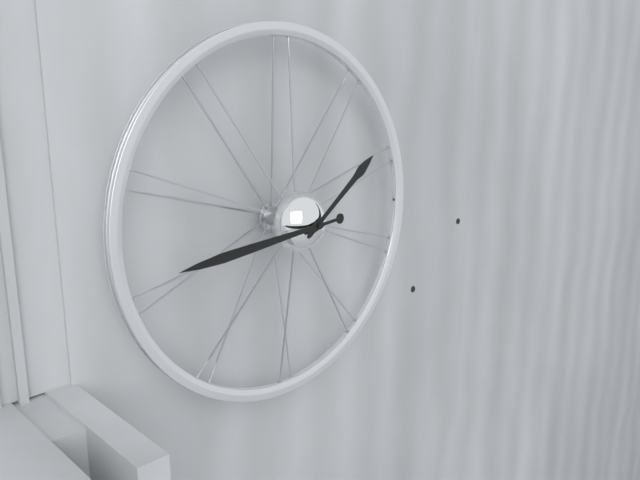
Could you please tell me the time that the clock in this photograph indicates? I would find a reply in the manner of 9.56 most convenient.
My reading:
1.44
